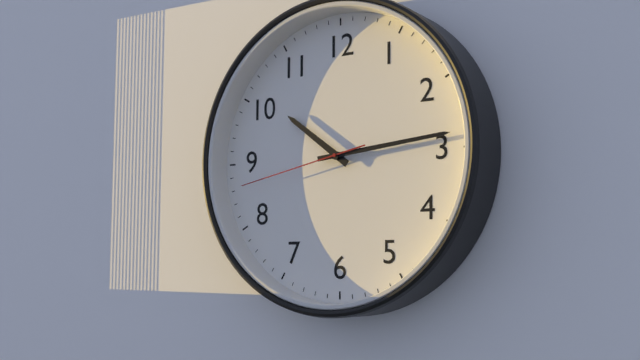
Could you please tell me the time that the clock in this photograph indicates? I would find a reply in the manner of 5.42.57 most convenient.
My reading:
10.14.43
